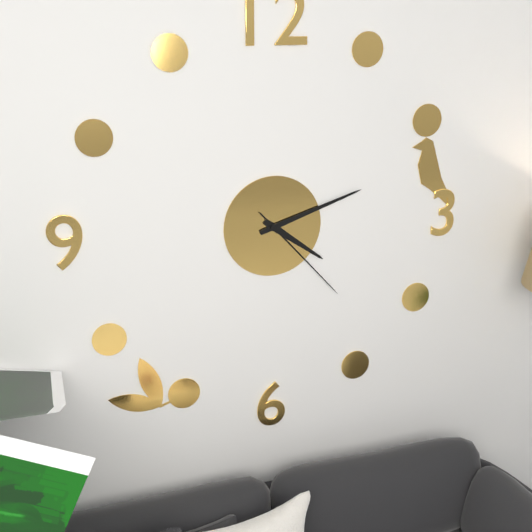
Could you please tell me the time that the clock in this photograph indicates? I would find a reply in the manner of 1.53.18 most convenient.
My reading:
4.12.23
